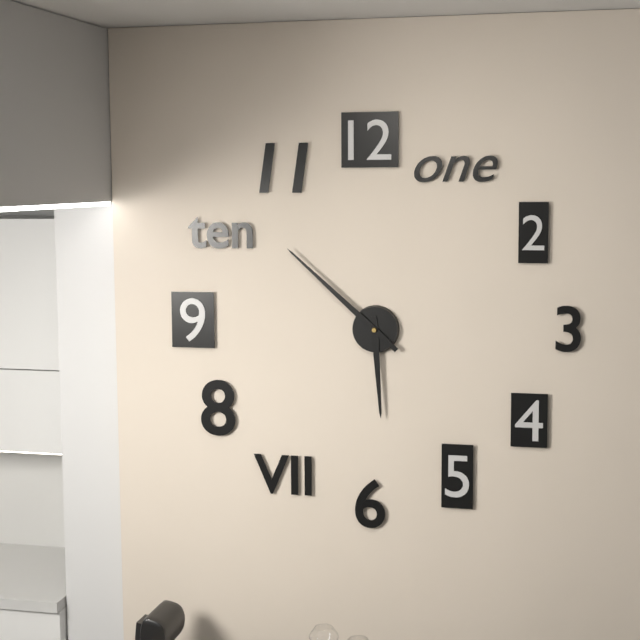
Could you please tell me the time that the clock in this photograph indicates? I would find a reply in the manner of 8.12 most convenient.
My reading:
5.52
